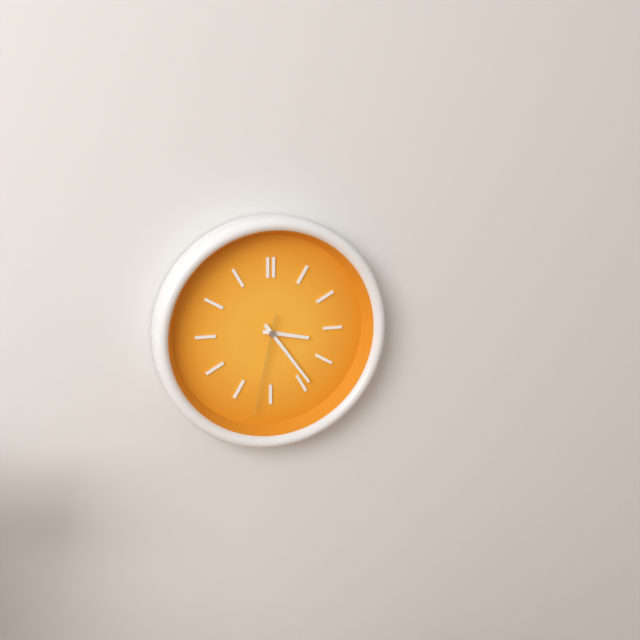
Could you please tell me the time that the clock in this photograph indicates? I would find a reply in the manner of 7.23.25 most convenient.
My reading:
3.24.32
